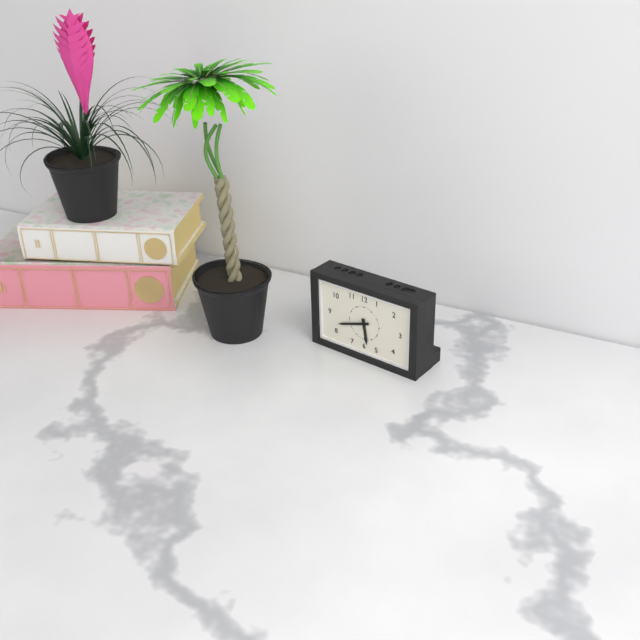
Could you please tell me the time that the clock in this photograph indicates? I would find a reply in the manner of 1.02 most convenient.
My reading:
5.42
